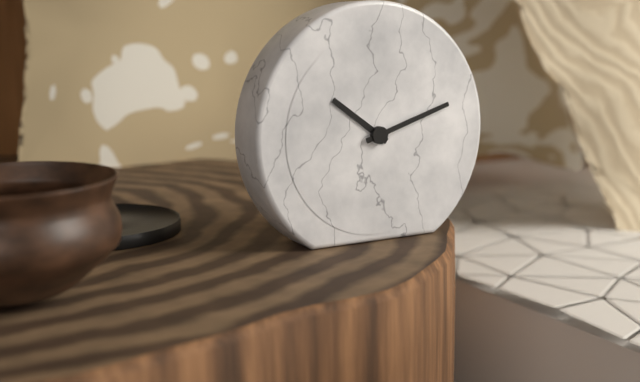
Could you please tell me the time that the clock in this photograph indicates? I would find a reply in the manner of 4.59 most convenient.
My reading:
10.12
